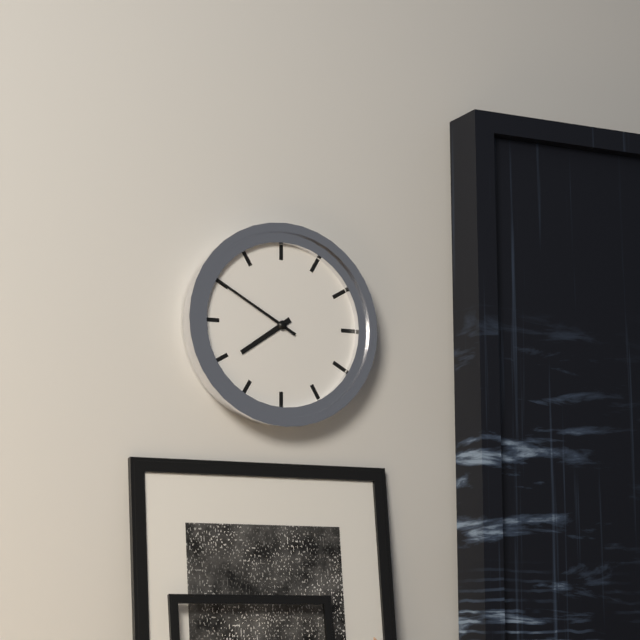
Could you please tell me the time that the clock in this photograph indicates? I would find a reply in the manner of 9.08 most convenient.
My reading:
7.50
